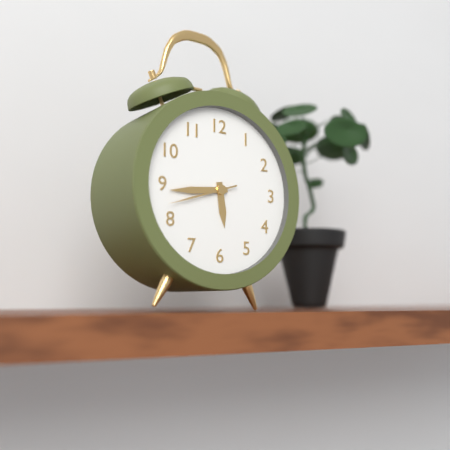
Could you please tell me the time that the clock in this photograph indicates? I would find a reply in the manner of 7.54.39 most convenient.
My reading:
5.44.42
